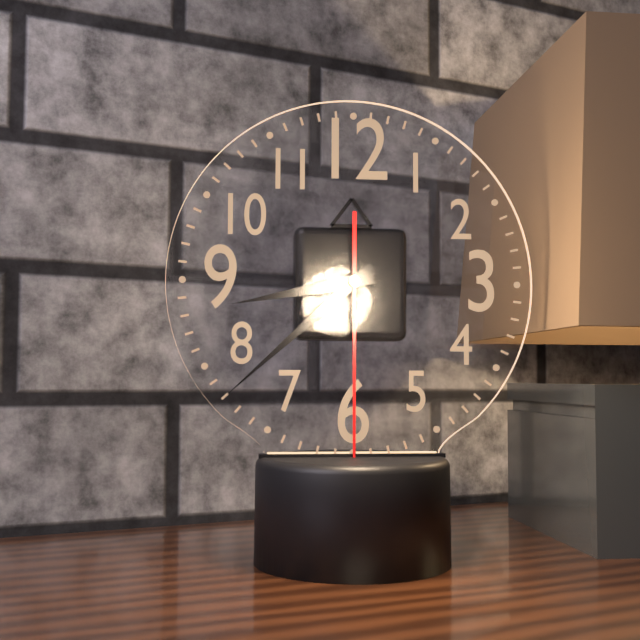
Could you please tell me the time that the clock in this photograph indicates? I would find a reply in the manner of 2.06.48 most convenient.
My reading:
8.38.30
